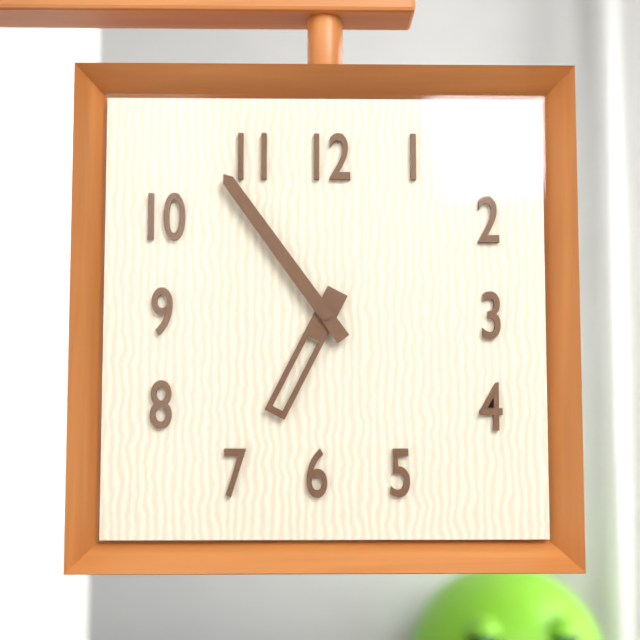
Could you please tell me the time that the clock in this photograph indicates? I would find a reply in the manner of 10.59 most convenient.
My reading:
6.54
